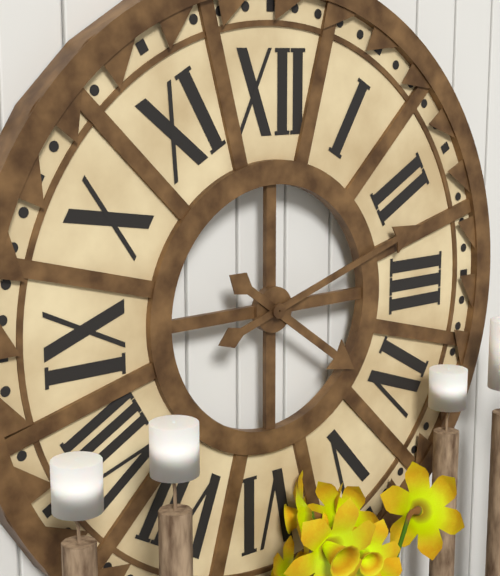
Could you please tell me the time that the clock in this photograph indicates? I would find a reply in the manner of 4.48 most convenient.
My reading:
4.12
